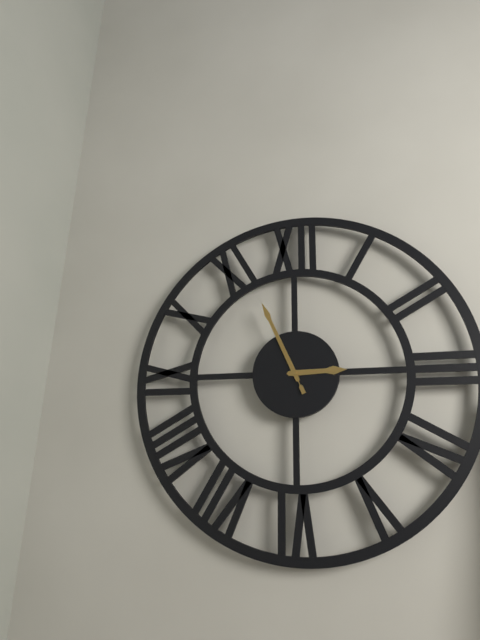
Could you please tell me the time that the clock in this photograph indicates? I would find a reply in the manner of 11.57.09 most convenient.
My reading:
2.56.56
